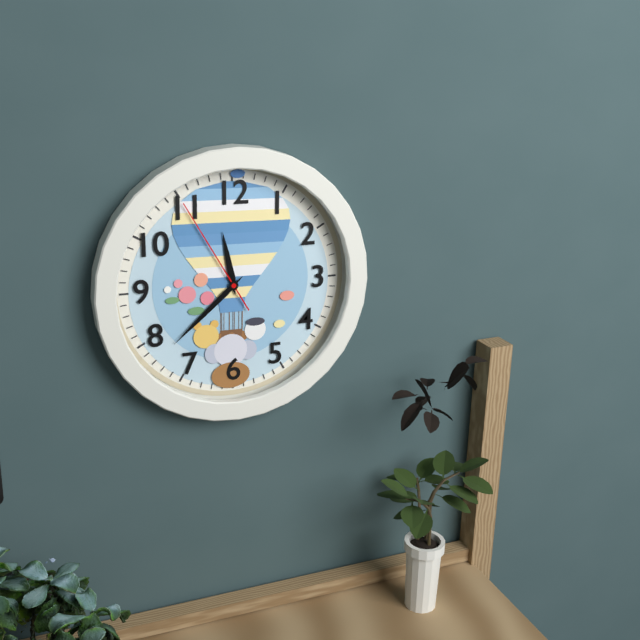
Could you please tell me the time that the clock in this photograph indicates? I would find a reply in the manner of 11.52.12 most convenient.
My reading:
11.38.55
